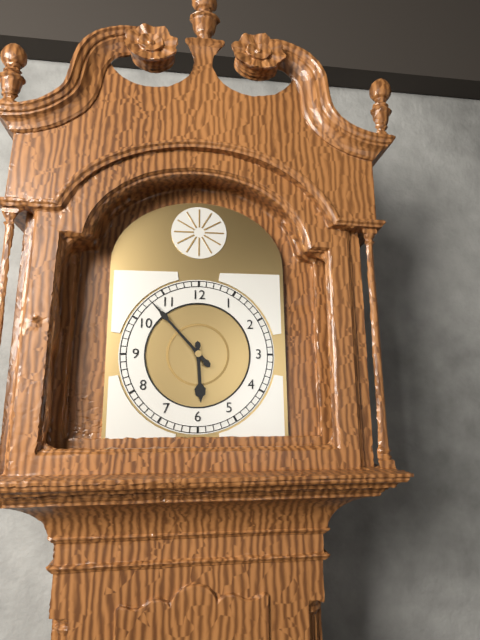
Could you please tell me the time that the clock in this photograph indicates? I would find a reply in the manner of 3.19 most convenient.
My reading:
5.53
